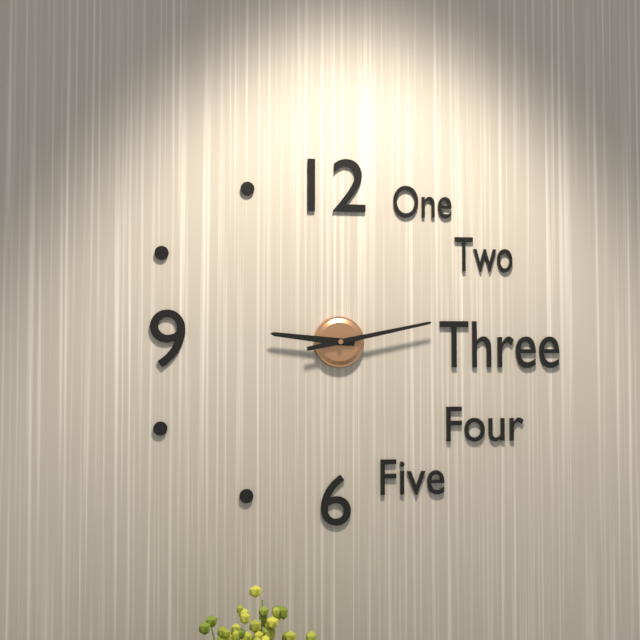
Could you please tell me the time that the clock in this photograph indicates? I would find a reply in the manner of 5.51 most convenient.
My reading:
9.13
